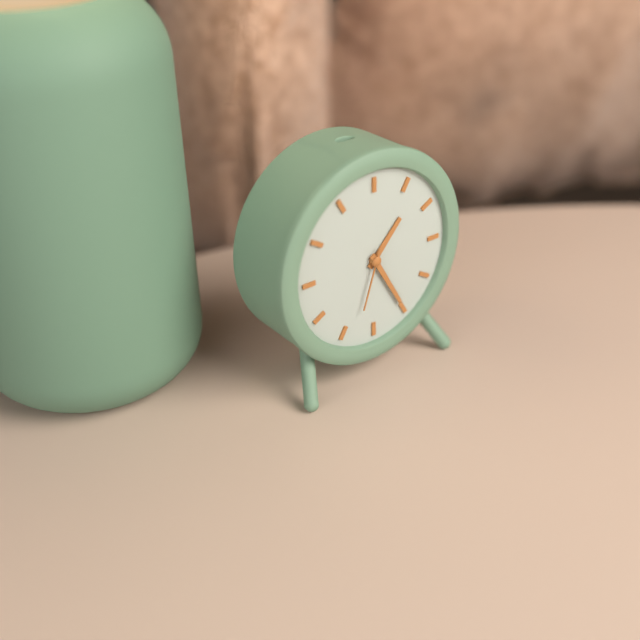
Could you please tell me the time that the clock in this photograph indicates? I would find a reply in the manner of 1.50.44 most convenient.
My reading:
1.25.33
